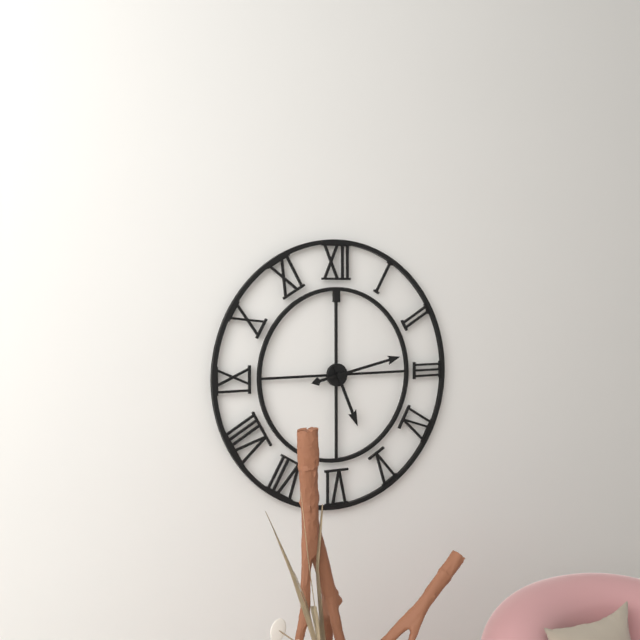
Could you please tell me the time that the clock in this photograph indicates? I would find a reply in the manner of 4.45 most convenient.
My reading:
5.13
